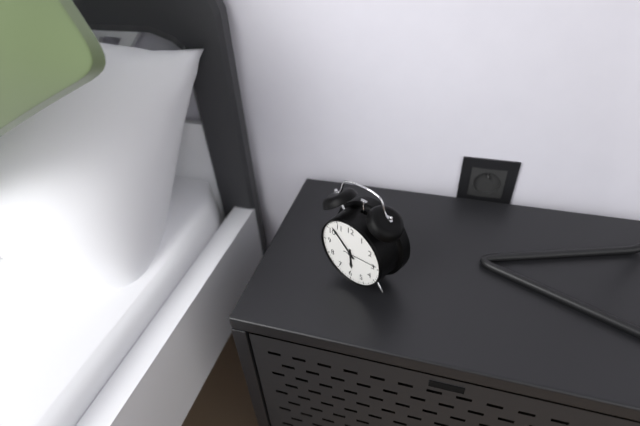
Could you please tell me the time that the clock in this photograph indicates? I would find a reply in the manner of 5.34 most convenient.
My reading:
5.52
